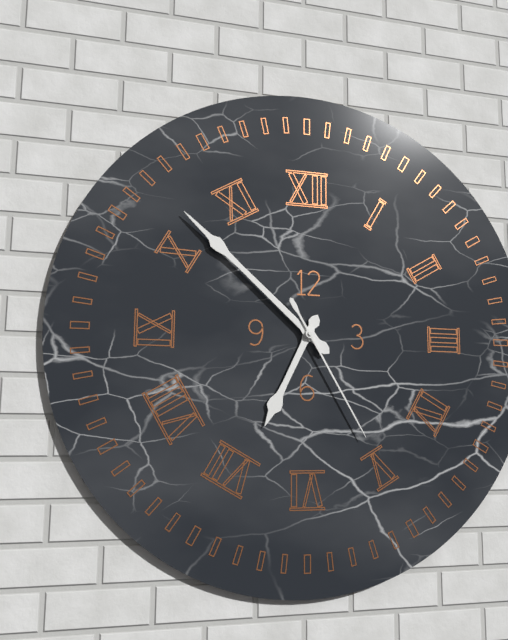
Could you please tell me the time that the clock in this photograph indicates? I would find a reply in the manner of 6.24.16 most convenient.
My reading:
6.52.25
